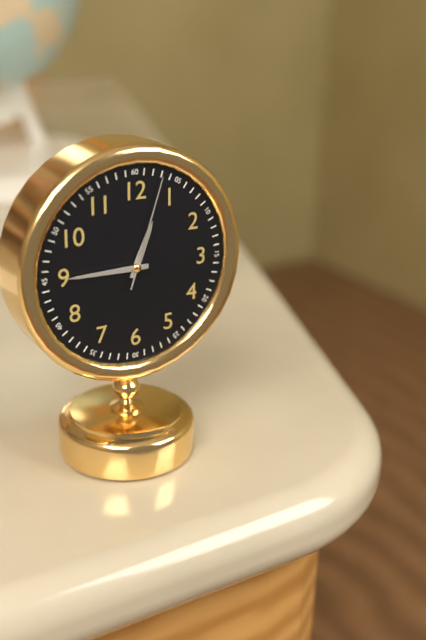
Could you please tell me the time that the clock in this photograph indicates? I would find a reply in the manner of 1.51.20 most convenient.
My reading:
12.45.03
